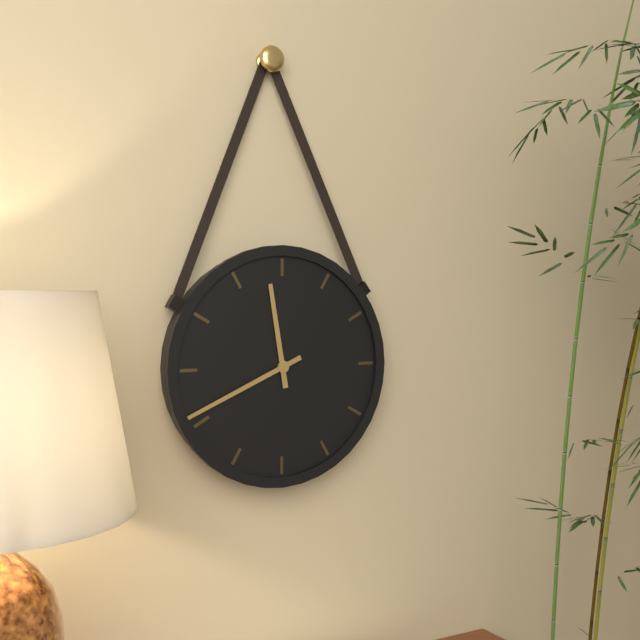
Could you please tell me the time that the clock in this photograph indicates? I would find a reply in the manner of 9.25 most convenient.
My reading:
11.41
